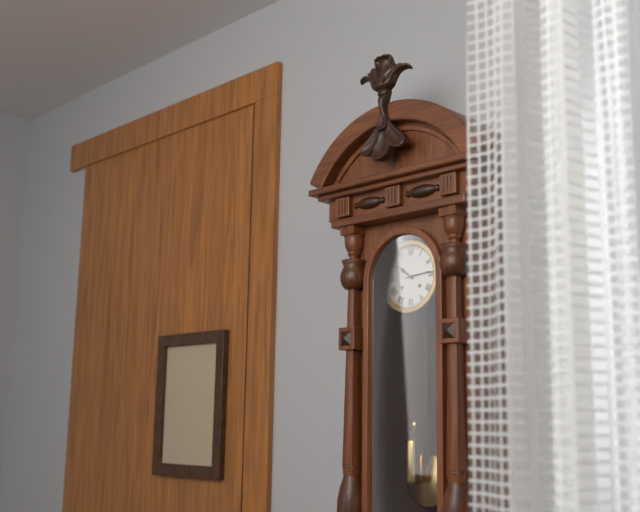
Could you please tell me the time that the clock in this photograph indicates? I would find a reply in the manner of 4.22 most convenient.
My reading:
10.14
